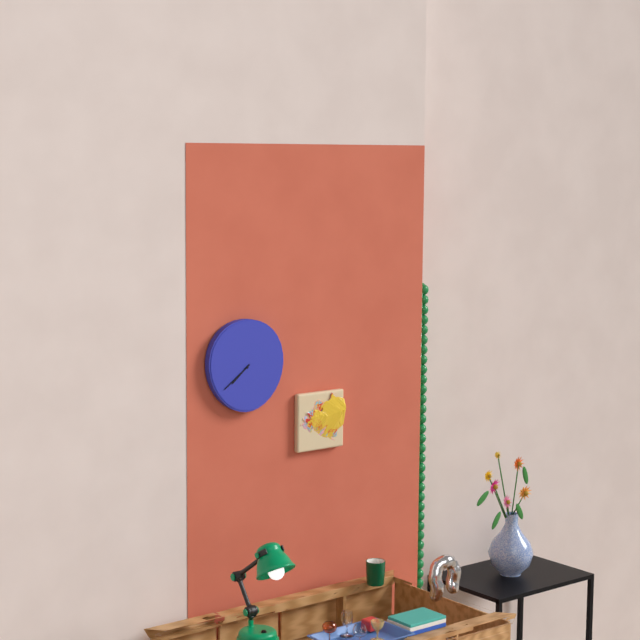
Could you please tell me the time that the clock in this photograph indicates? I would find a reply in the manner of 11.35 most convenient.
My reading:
7.39
